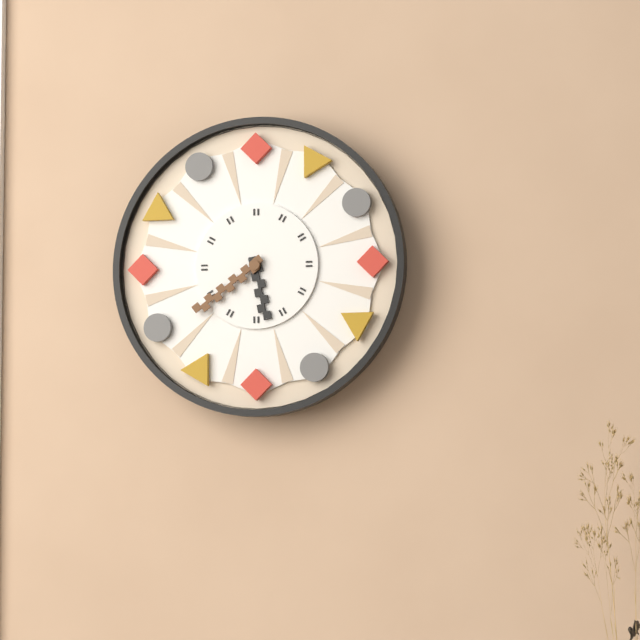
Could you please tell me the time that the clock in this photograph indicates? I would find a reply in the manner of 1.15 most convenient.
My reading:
5.39
